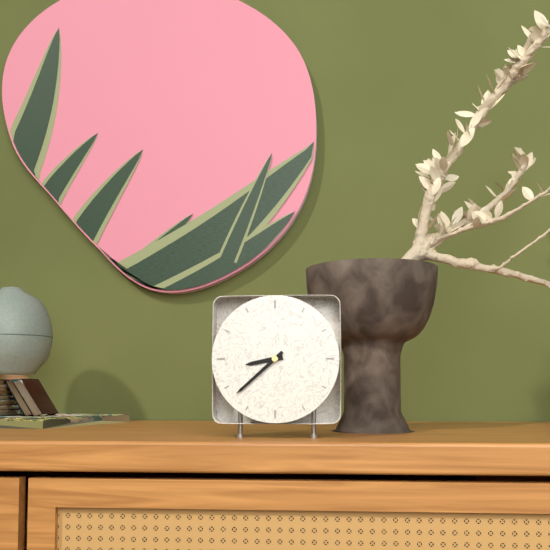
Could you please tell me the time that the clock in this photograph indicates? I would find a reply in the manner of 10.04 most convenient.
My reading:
8.38
